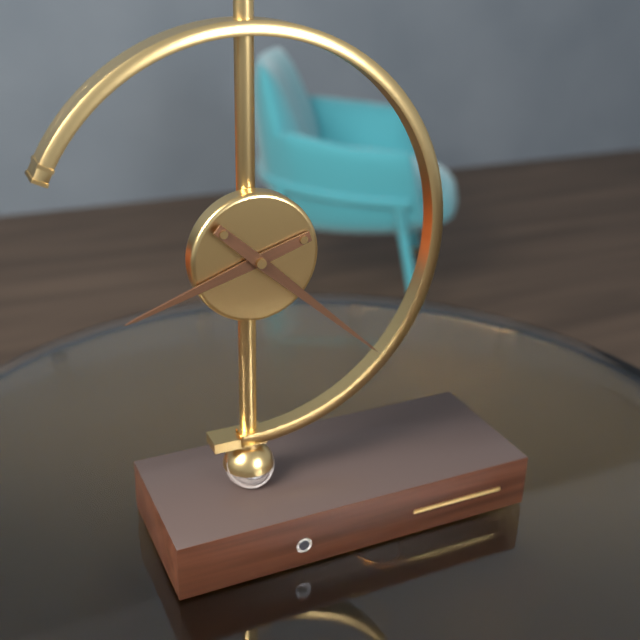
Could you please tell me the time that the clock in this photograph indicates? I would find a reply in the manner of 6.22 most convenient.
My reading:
8.22
